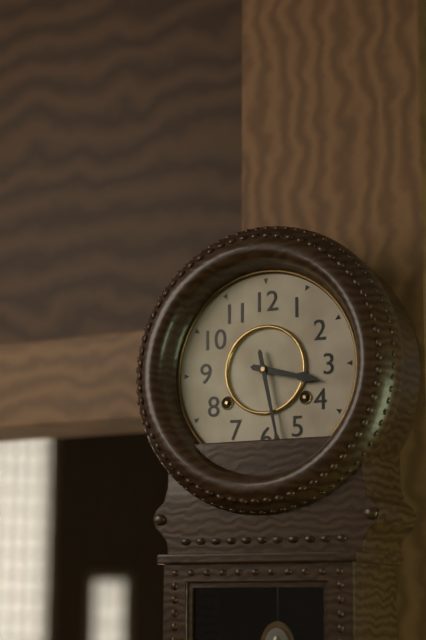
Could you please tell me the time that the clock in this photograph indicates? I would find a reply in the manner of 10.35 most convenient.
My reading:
3.28
